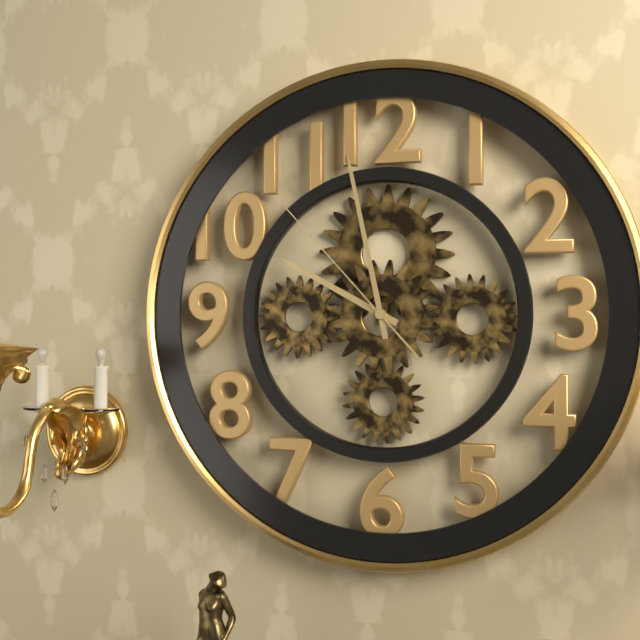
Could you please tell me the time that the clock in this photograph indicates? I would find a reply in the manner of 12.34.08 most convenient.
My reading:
9.58.53
